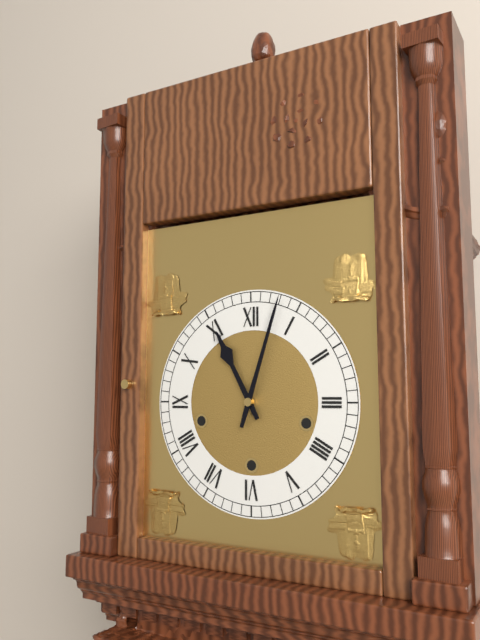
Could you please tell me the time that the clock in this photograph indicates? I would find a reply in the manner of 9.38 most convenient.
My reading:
11.03
